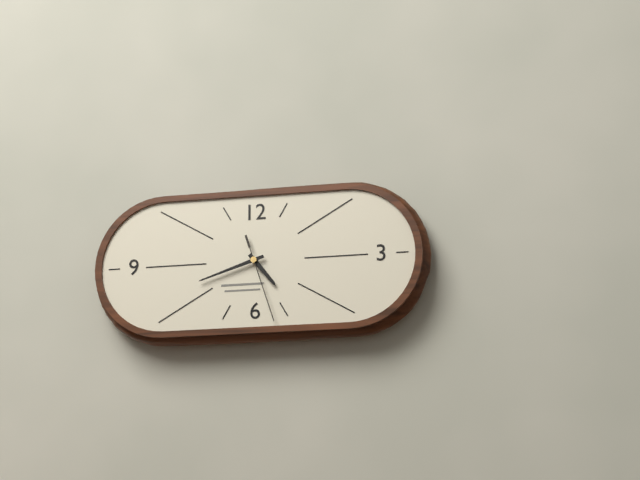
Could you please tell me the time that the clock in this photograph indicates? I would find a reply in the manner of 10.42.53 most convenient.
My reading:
4.42.27
